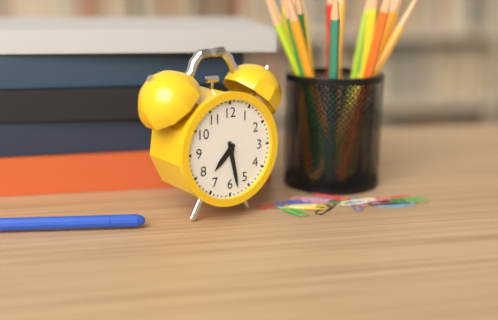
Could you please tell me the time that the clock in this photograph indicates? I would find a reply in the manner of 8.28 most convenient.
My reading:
7.28
